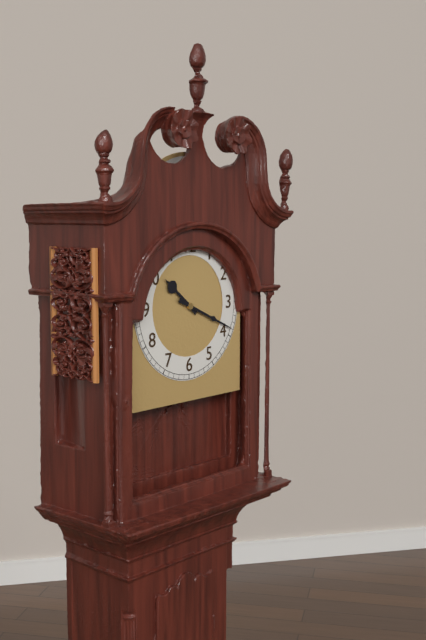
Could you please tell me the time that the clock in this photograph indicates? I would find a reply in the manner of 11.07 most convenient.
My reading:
10.19
